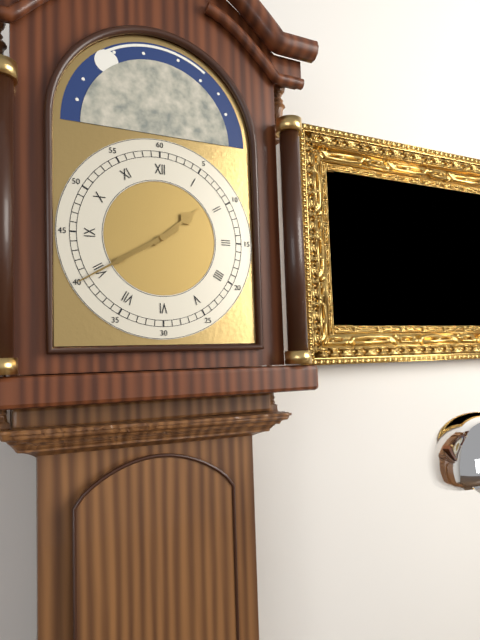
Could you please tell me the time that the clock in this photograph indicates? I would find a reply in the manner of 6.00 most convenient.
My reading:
1.40
